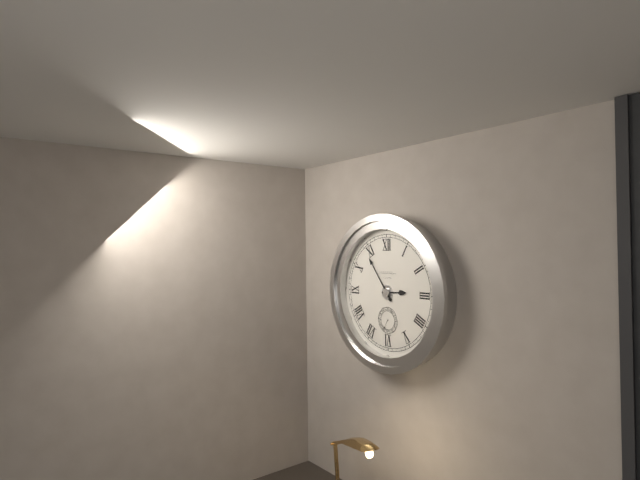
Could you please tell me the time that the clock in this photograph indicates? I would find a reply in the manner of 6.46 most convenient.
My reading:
2.54
